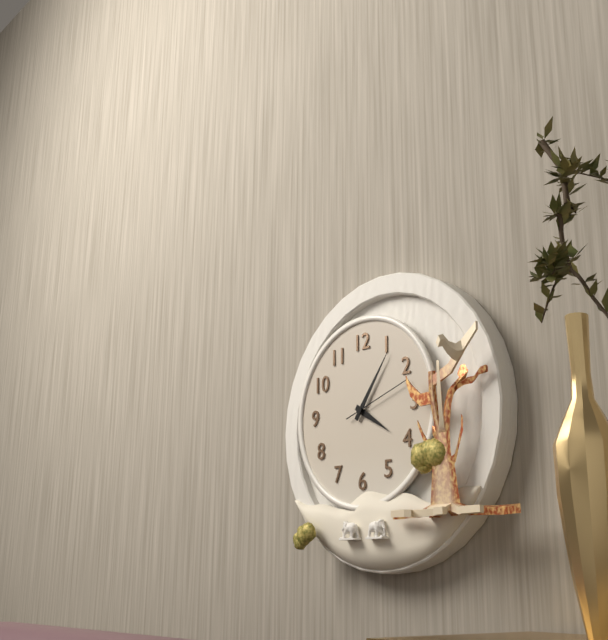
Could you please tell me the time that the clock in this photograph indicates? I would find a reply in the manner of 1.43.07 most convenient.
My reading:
4.06.12
